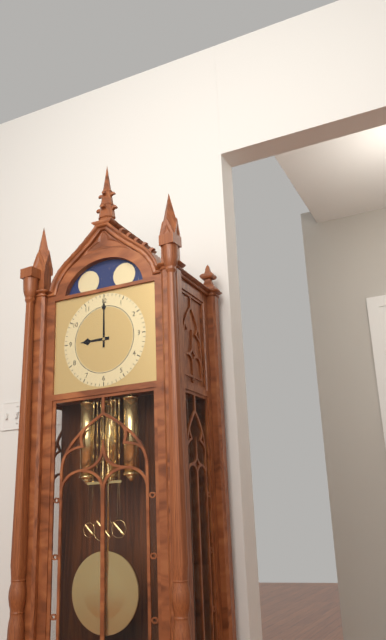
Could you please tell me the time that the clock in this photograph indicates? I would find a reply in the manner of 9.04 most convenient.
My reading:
9.00
